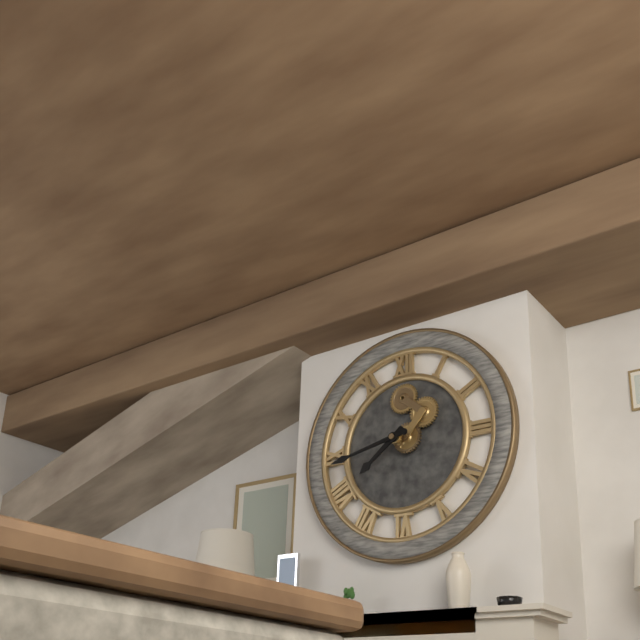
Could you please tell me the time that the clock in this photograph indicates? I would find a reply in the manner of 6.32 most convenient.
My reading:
7.43
